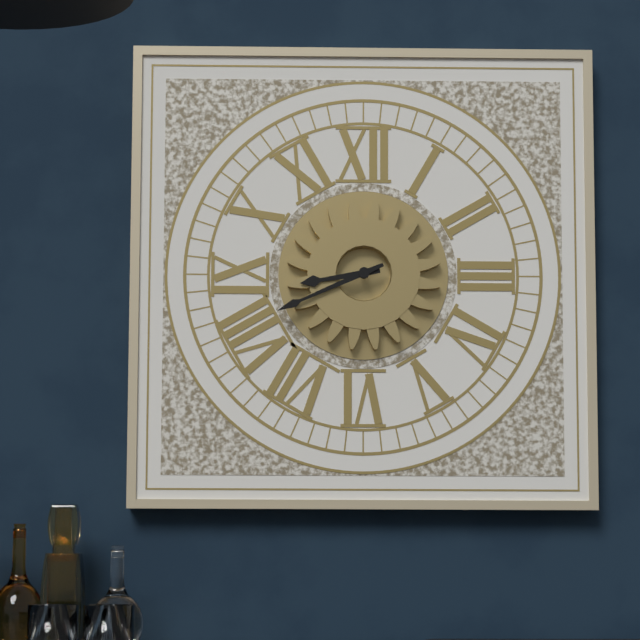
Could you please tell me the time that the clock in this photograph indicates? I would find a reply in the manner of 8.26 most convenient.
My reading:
8.41
